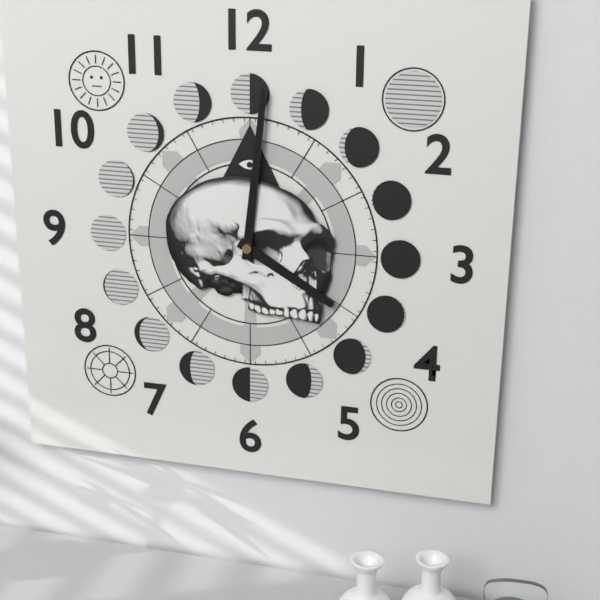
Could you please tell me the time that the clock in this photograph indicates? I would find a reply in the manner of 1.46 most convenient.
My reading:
4.01
